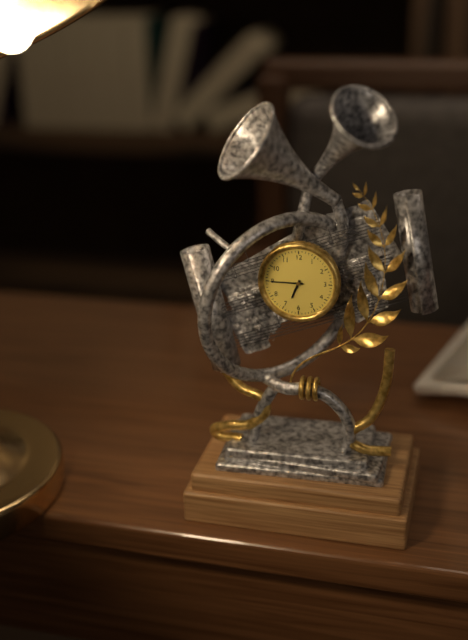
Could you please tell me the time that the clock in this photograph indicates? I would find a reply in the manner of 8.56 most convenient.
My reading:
6.45
